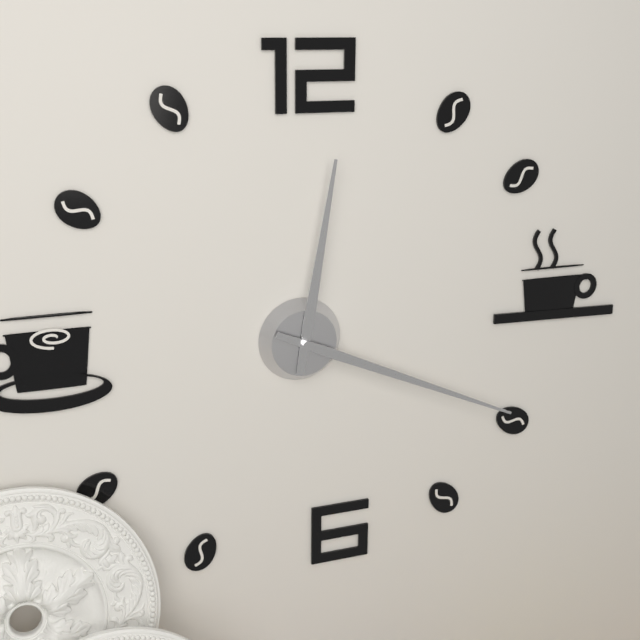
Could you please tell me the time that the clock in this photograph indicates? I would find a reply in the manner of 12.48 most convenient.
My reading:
12.19
